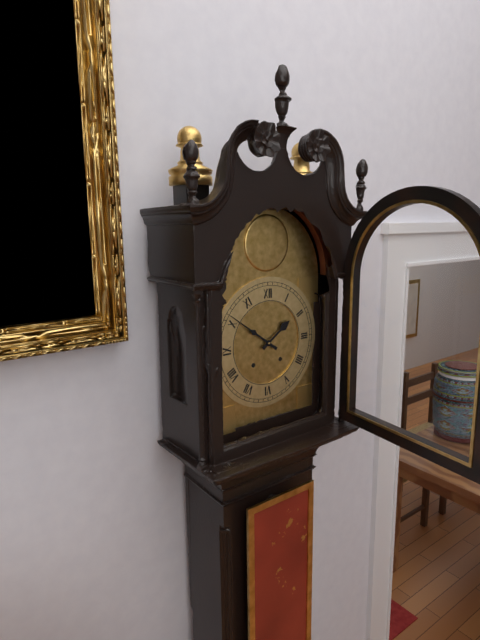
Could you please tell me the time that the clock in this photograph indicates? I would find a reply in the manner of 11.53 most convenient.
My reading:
1.51
